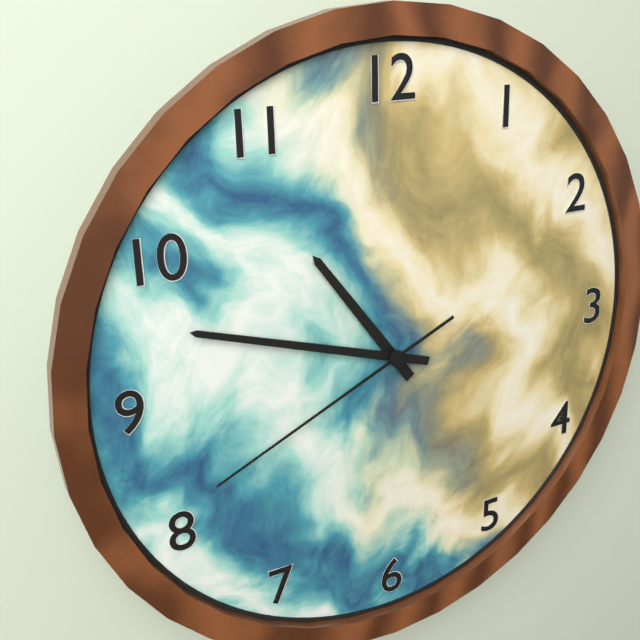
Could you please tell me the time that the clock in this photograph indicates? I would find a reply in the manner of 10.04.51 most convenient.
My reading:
10.48.41
